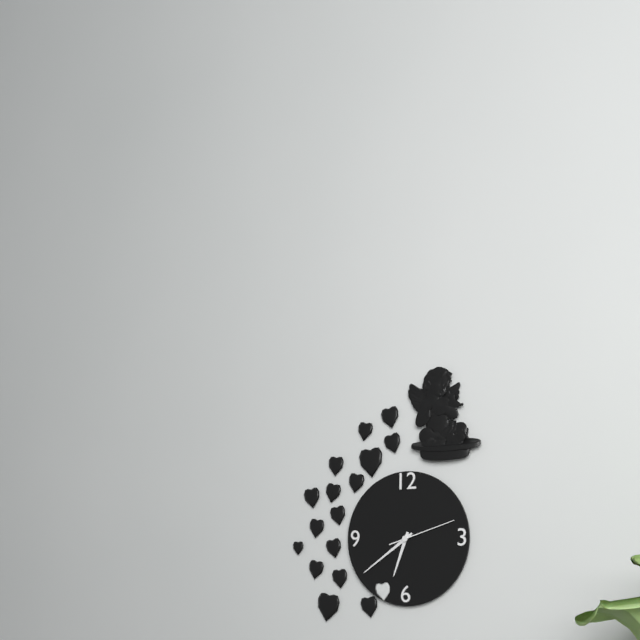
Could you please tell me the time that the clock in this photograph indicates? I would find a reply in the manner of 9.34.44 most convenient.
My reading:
6.39.12
